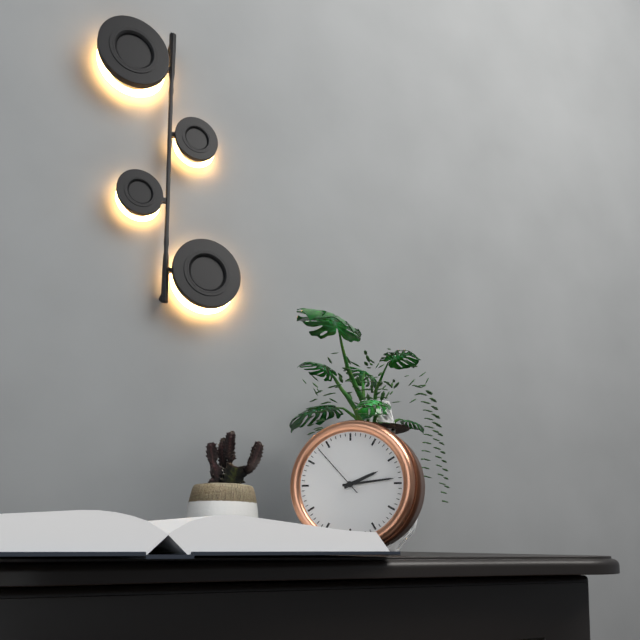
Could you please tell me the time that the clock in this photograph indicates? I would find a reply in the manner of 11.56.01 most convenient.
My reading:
2.14.53
